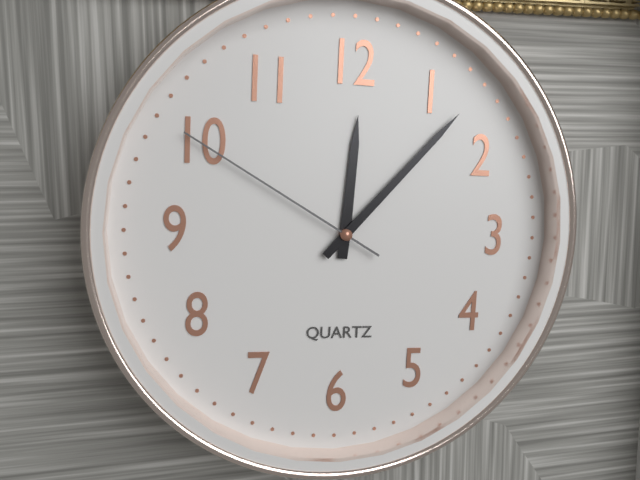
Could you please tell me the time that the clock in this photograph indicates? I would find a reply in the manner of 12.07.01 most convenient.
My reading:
12.07.50
